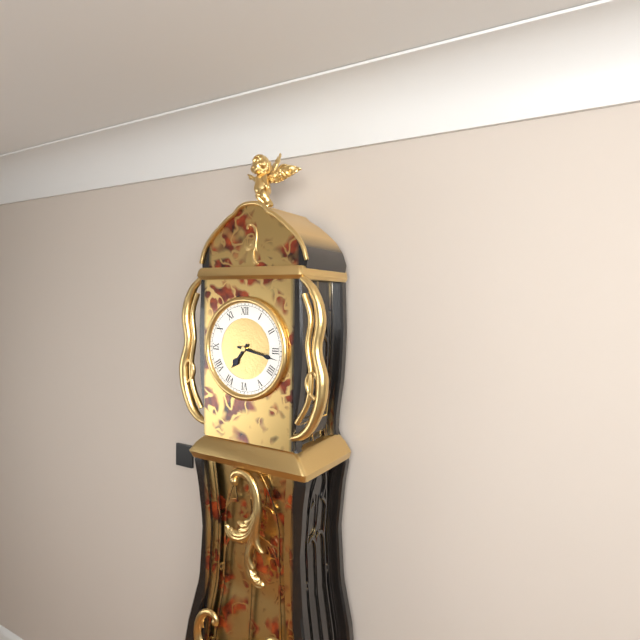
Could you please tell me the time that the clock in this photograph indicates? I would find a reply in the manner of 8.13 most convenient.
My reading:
7.17
